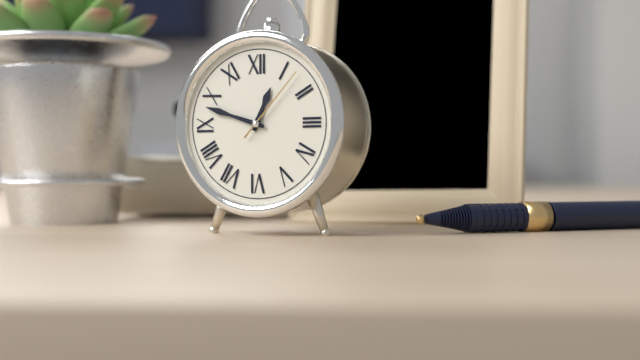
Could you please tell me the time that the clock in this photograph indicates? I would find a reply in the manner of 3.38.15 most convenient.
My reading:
12.48.07
